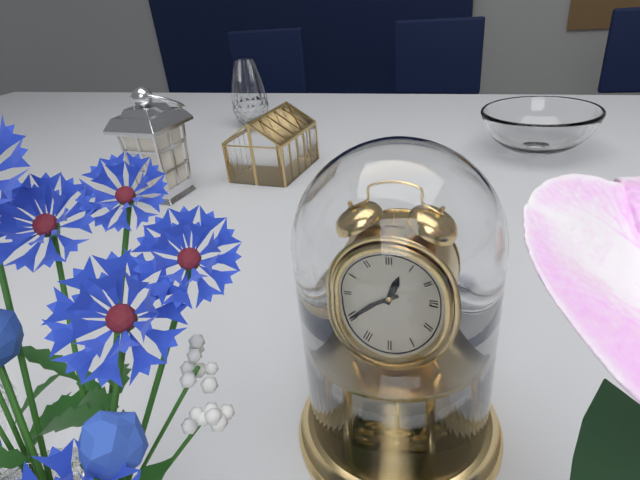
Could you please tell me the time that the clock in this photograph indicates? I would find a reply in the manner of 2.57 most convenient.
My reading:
12.40
